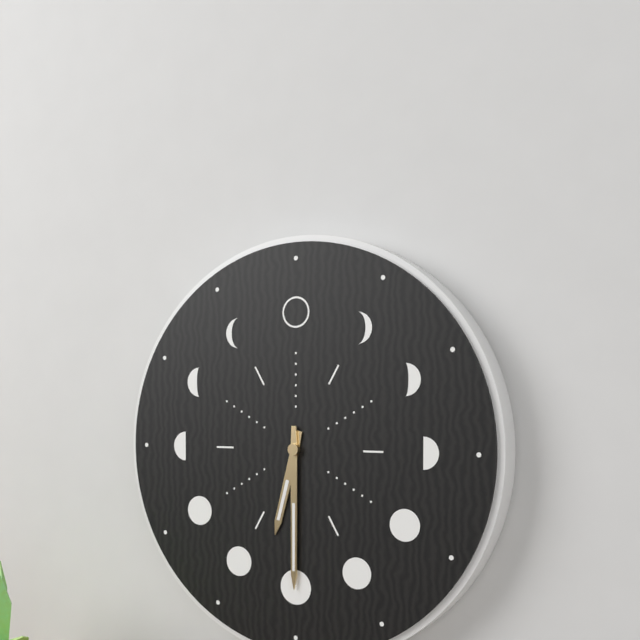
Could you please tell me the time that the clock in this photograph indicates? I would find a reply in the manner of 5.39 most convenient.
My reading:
6.30
